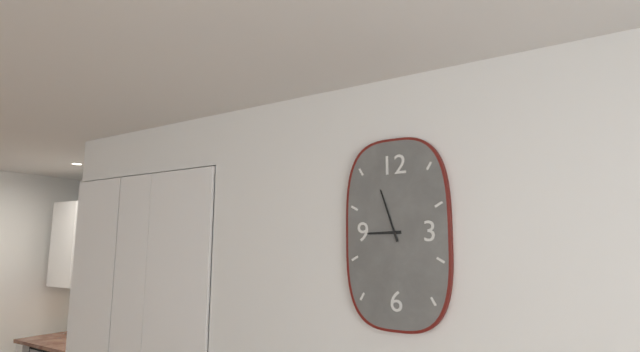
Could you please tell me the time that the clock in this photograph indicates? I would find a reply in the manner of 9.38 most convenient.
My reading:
8.57
